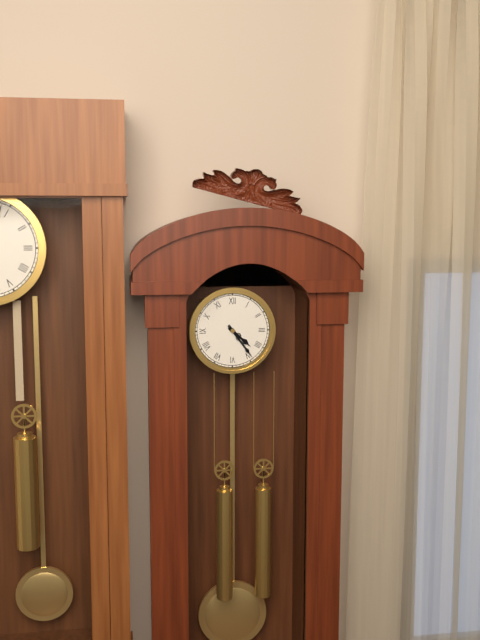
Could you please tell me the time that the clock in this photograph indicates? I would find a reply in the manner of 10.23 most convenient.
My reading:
4.24
